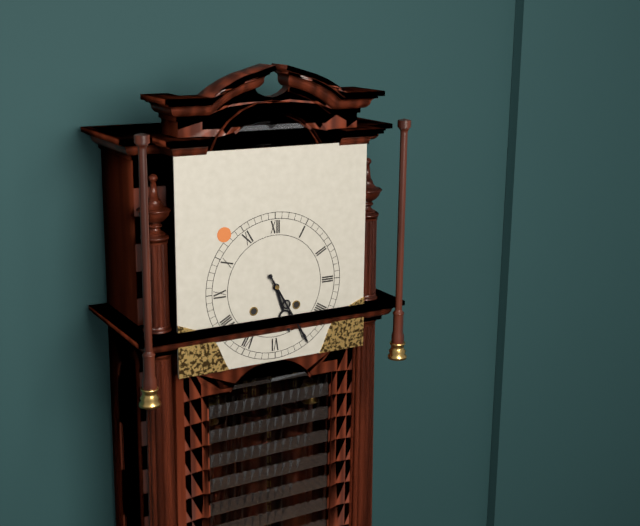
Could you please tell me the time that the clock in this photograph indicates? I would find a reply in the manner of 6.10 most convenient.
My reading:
5.25
